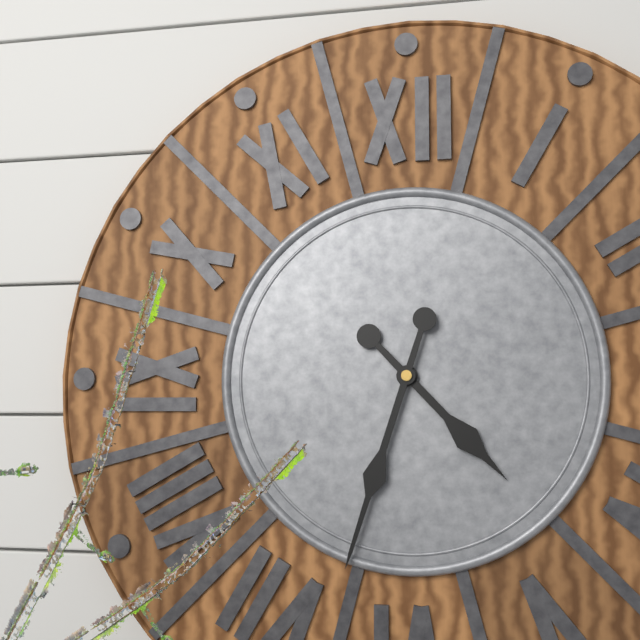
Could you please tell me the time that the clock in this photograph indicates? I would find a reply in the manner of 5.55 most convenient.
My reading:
4.33
